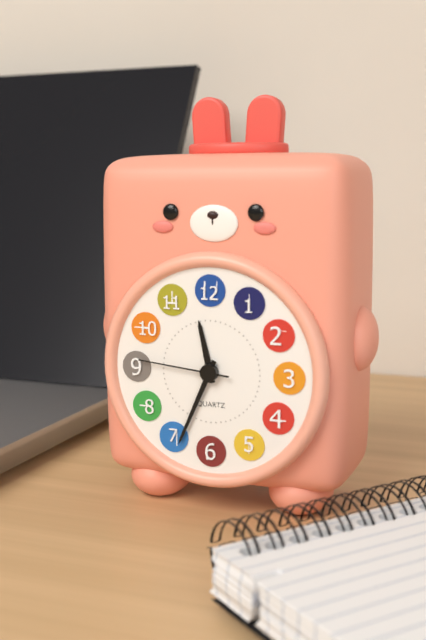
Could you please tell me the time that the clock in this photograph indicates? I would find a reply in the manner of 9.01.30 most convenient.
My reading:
11.34.46
